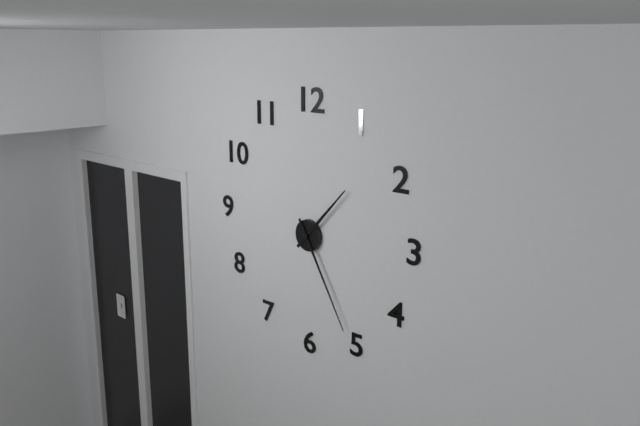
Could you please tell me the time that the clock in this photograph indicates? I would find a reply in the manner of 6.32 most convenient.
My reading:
1.25
